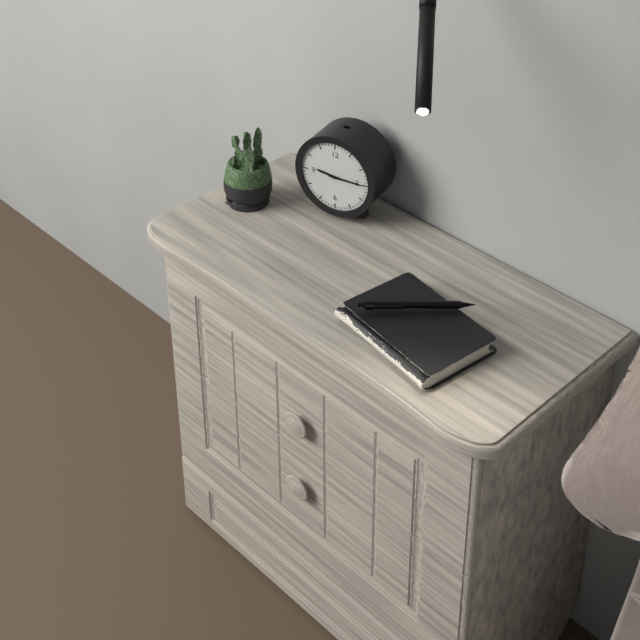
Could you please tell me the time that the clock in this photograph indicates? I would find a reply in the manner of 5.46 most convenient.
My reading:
9.15
